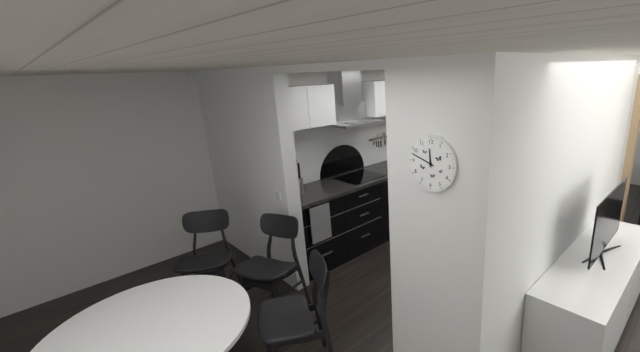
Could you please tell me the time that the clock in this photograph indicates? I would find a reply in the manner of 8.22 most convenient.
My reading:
11.48
